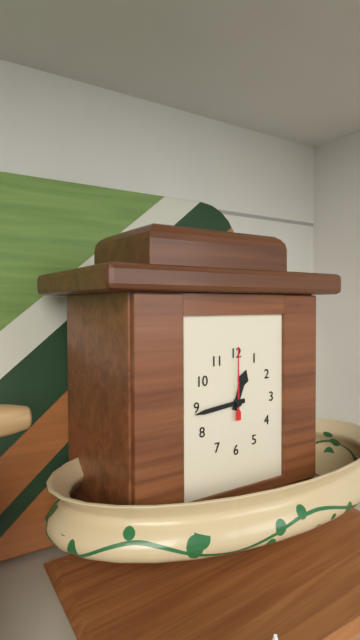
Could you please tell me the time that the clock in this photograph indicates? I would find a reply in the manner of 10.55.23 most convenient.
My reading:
12.44.00
